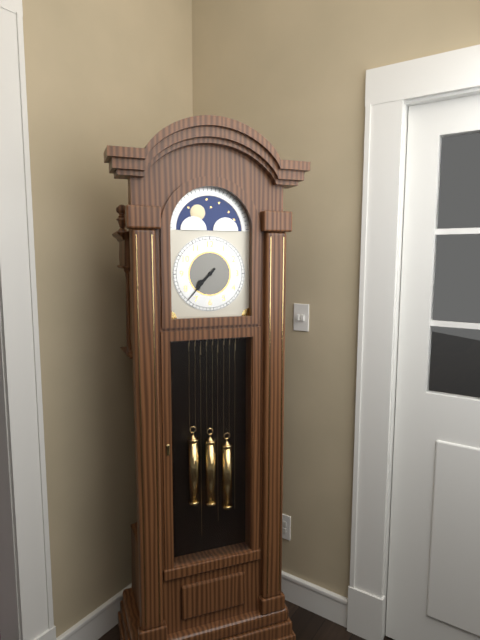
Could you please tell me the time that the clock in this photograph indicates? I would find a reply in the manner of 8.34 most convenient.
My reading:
7.37
